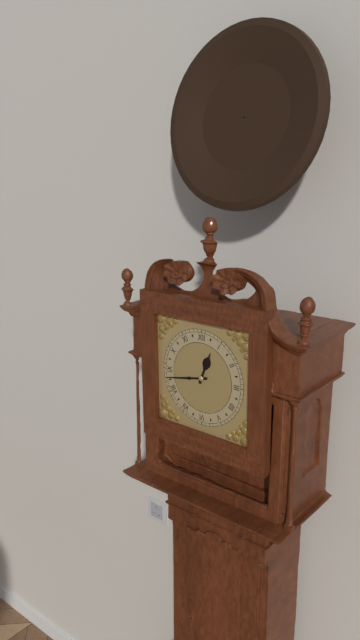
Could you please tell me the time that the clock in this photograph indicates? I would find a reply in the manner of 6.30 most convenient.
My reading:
12.43
